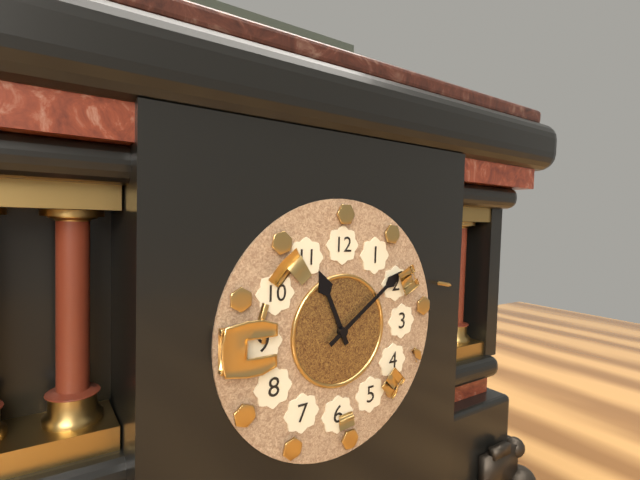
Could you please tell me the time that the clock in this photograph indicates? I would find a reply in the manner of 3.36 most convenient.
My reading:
11.09
